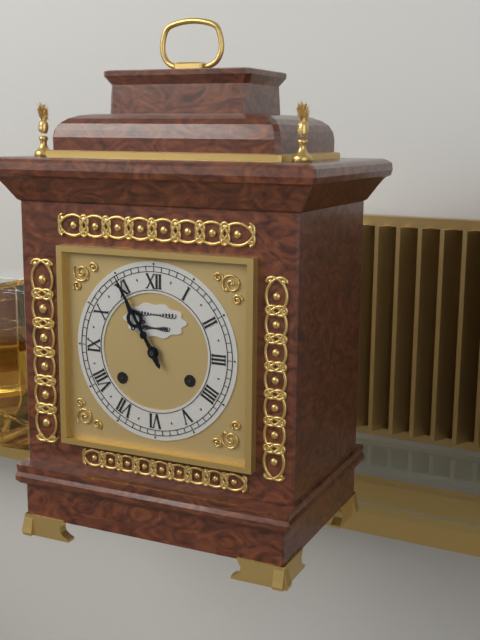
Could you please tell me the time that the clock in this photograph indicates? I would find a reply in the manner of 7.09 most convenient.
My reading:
10.55
